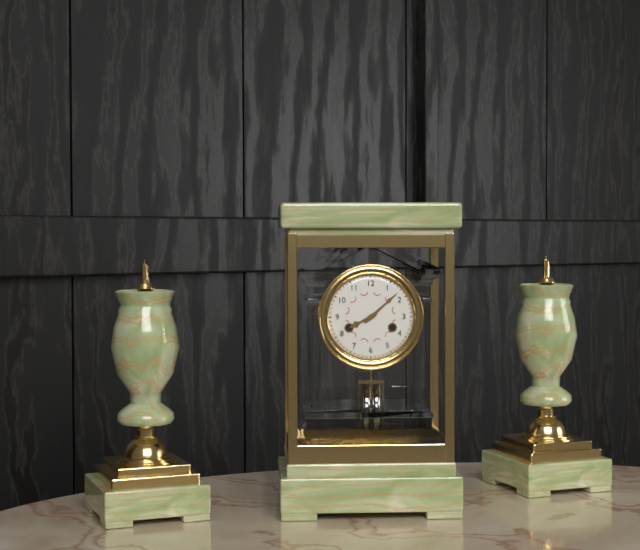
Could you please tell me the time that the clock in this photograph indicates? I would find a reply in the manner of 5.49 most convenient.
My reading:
8.08
